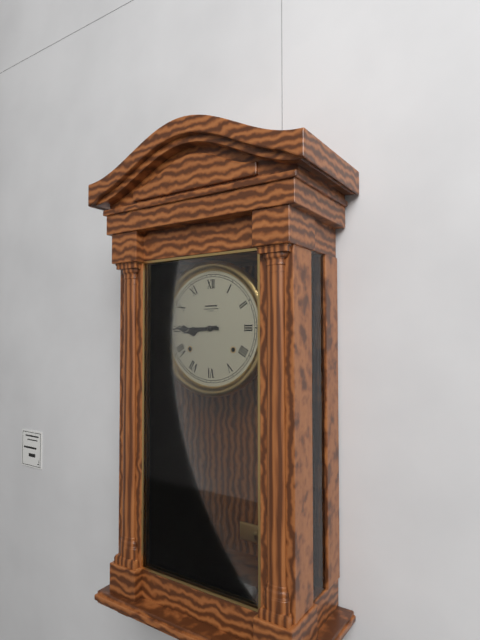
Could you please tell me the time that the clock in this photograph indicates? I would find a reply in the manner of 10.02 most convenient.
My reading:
8.45
